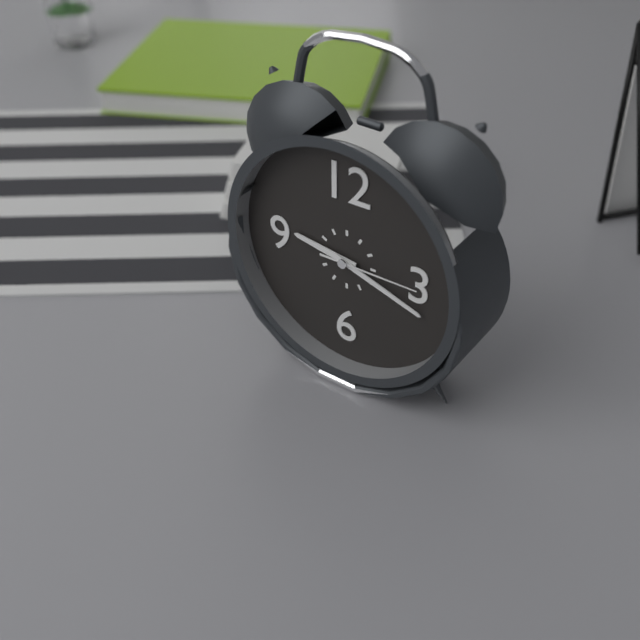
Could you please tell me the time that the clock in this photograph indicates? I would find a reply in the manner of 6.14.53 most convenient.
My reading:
9.18.15
